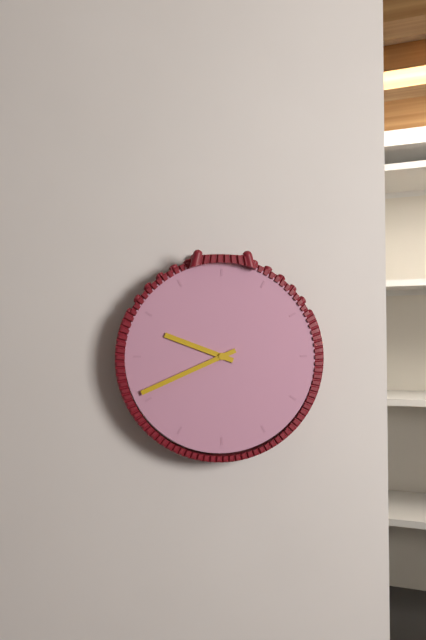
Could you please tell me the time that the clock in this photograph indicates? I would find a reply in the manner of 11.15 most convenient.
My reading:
9.41
